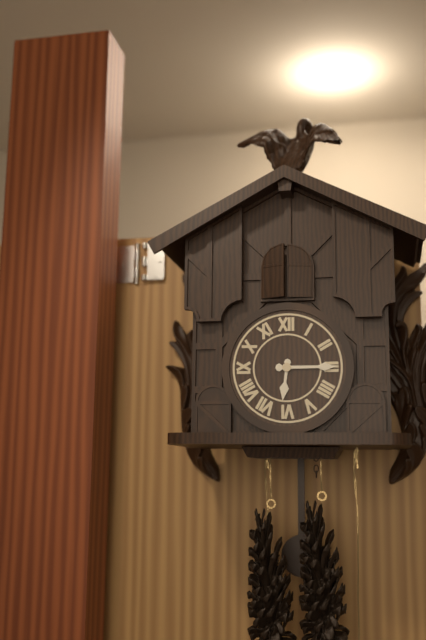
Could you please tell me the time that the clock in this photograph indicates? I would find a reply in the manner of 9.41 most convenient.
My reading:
6.15
